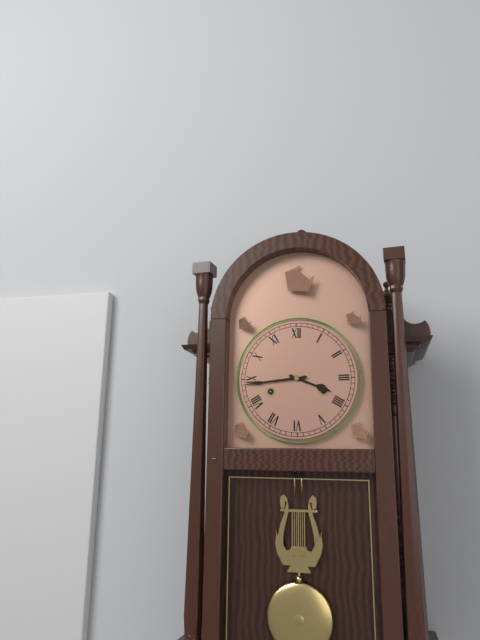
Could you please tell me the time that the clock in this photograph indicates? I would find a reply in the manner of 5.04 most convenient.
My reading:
3.44
